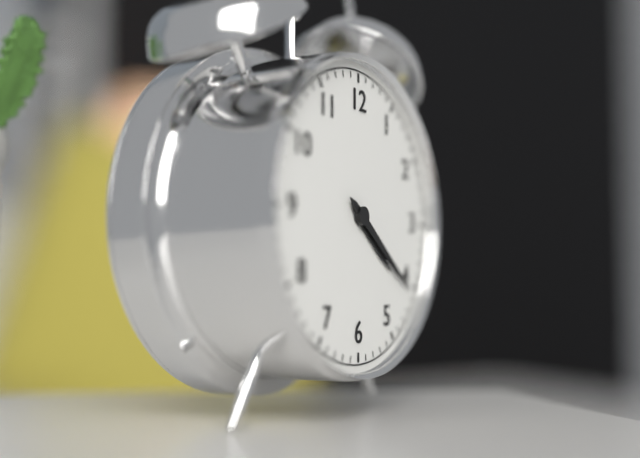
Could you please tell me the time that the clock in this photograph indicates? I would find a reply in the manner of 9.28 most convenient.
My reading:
4.21
